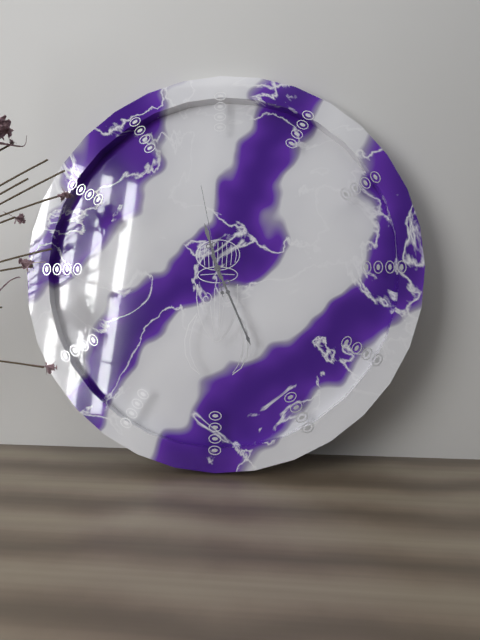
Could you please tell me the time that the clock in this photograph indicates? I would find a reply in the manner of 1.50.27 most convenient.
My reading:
11.26.58
